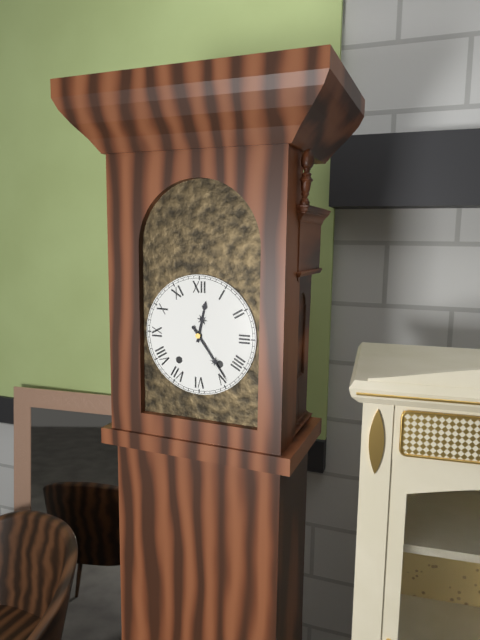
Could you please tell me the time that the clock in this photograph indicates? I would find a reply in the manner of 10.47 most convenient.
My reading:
12.24
